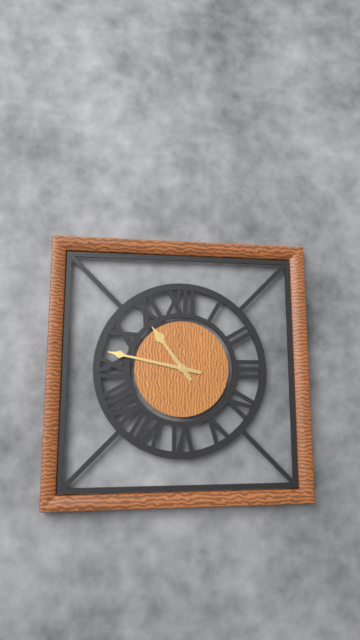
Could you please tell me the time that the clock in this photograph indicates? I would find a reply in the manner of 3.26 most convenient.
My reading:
10.47
